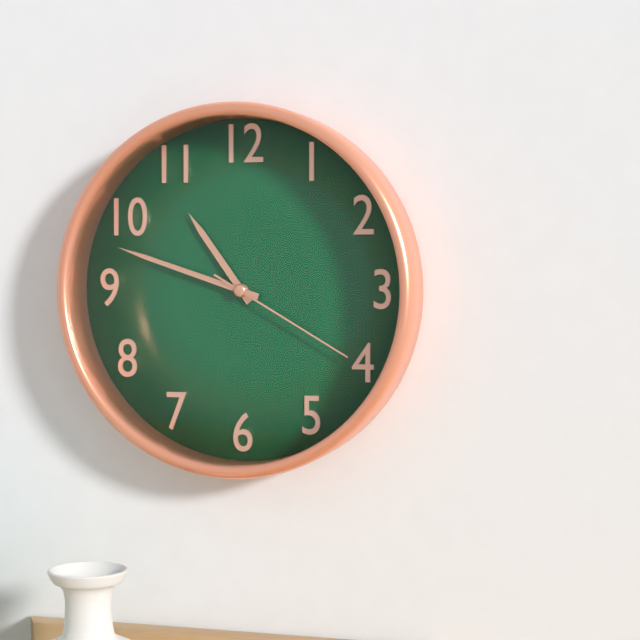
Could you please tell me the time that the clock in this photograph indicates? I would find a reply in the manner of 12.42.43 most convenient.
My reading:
10.48.20
